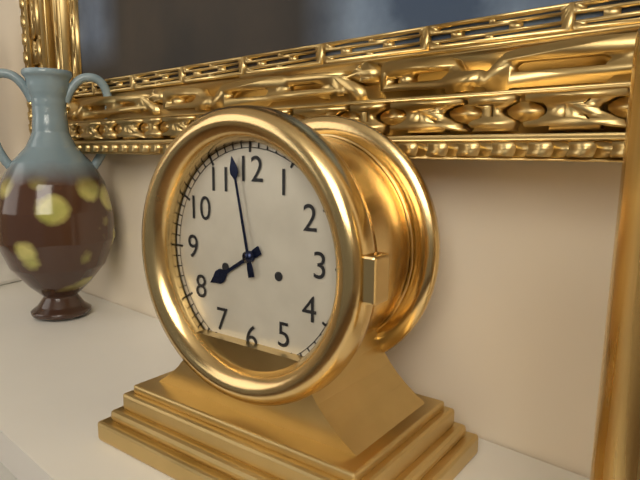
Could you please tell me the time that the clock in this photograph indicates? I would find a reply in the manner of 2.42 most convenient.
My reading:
7.58
